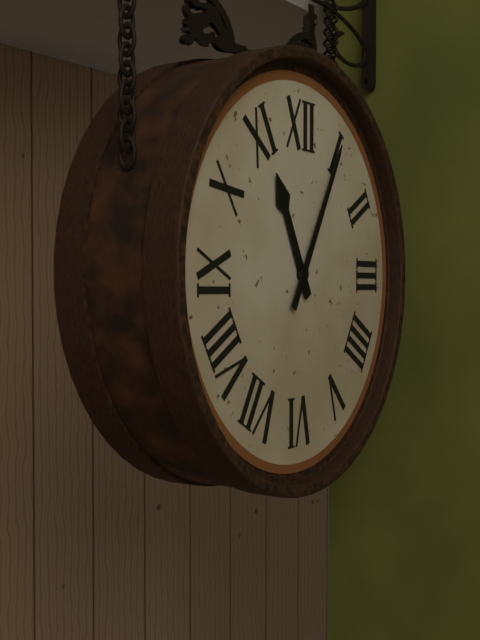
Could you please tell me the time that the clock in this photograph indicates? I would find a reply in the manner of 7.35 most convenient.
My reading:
11.05
